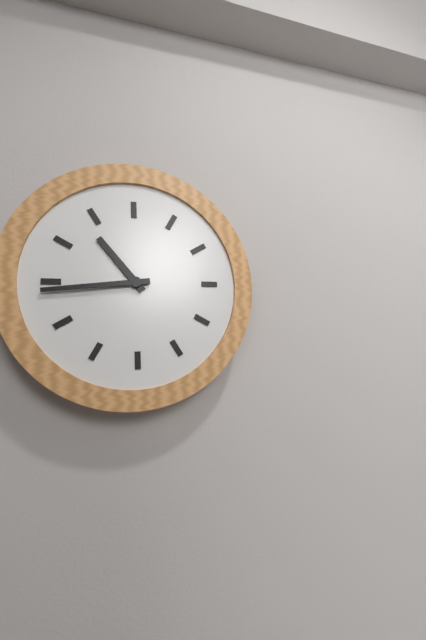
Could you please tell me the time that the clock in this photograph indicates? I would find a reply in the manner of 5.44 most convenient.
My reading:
10.44
